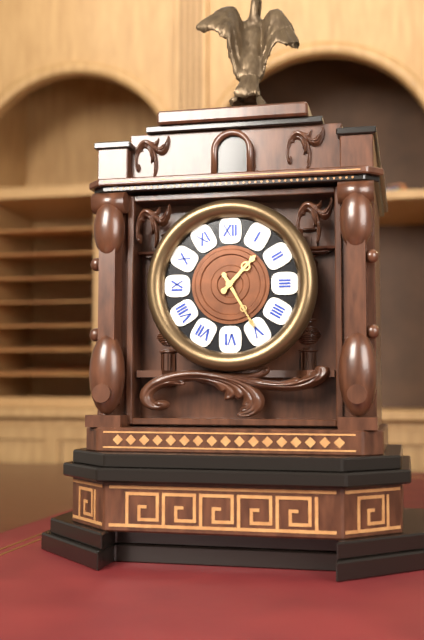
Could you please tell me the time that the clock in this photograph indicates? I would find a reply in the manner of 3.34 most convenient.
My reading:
1.25
